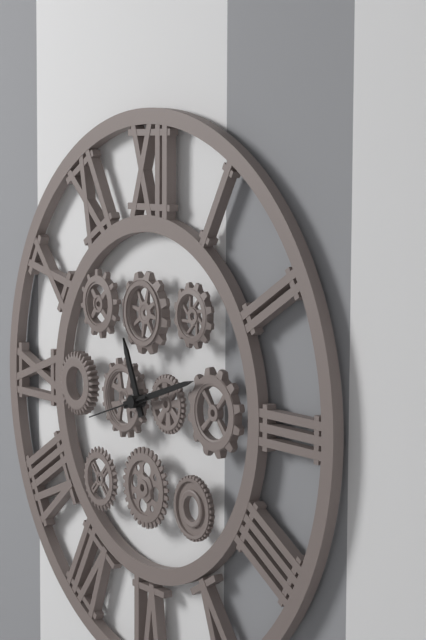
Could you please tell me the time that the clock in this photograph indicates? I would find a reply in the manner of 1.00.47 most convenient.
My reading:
11.12.42
